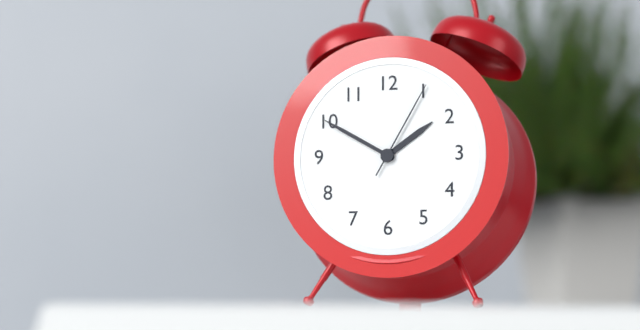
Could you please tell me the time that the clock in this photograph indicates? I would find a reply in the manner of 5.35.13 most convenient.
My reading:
1.50.05
